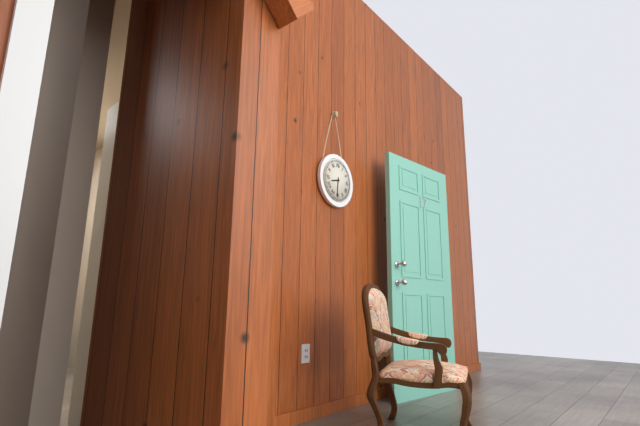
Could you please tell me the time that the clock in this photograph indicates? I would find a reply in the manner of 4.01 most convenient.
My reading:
8.31
